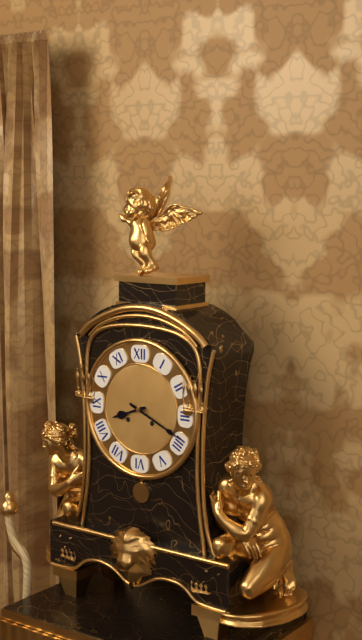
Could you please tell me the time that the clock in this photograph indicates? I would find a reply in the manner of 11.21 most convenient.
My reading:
8.19
